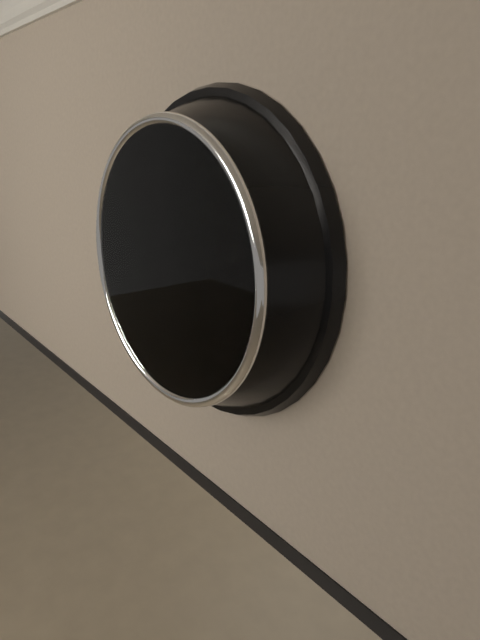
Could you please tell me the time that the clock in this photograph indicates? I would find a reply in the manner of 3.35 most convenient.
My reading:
7.51
